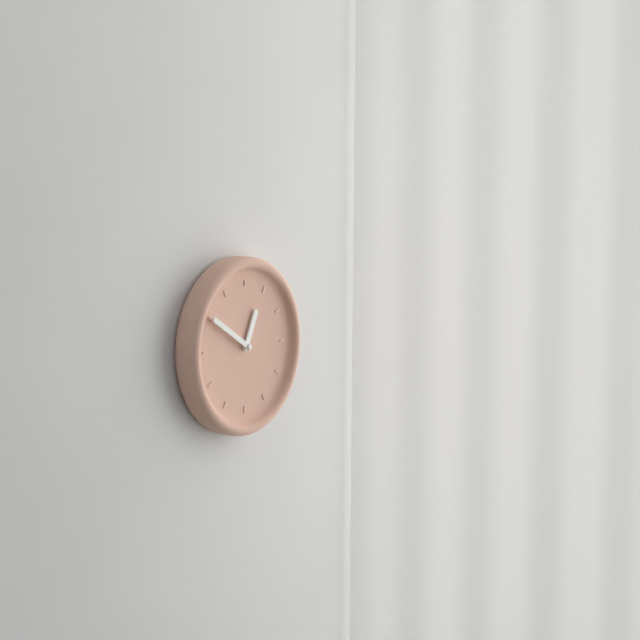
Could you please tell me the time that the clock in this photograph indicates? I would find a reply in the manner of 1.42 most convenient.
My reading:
12.50
